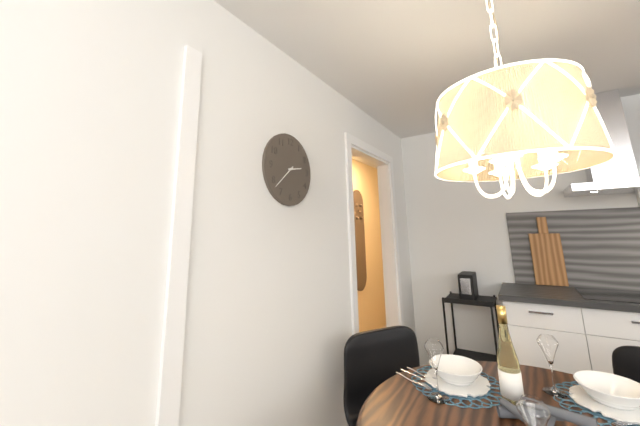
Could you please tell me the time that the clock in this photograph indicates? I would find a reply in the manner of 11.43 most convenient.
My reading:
2.38
